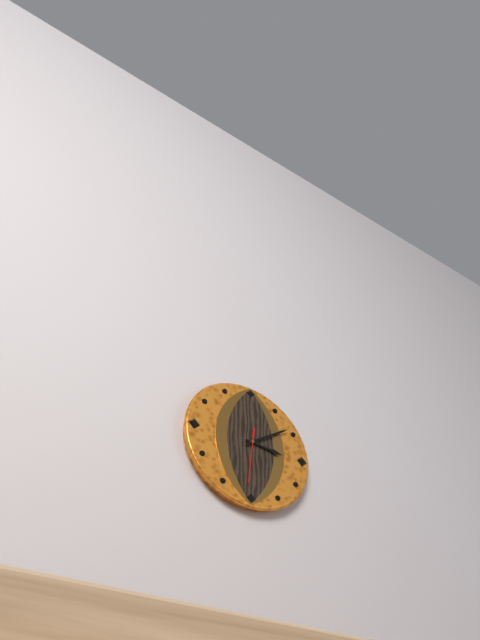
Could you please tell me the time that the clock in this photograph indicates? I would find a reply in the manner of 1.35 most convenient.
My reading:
3.09
